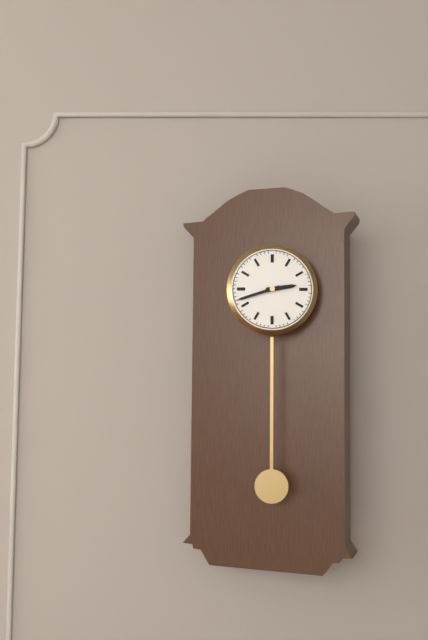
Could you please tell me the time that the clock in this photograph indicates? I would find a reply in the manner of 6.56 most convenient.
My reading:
2.42
